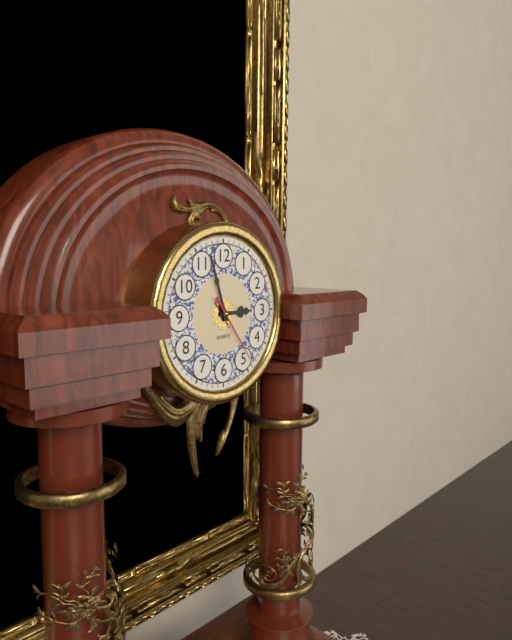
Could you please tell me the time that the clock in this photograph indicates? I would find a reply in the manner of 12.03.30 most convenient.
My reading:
2.57.24
